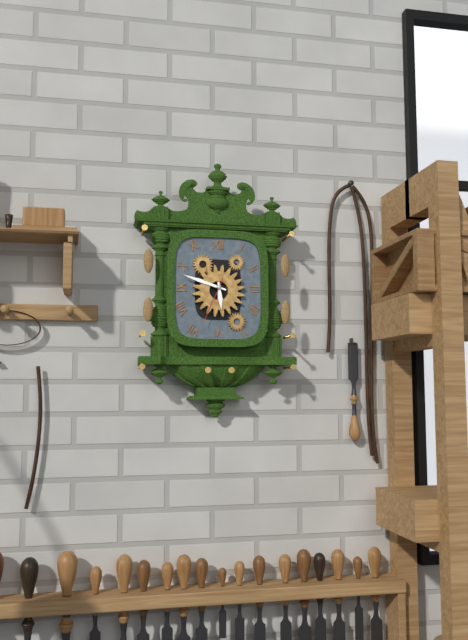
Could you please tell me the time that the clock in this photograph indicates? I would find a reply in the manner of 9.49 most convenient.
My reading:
5.48
